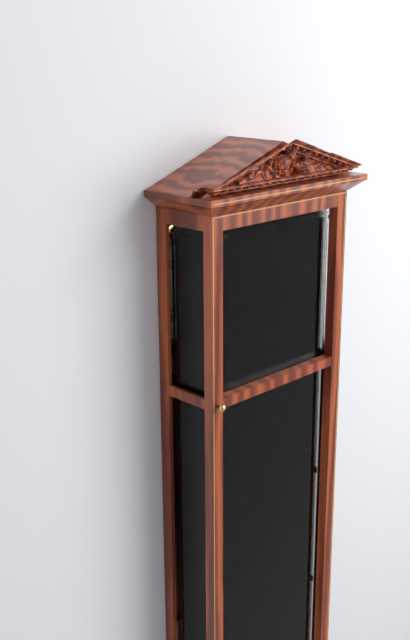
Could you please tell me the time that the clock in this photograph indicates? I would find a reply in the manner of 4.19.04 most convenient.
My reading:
2.54.00
